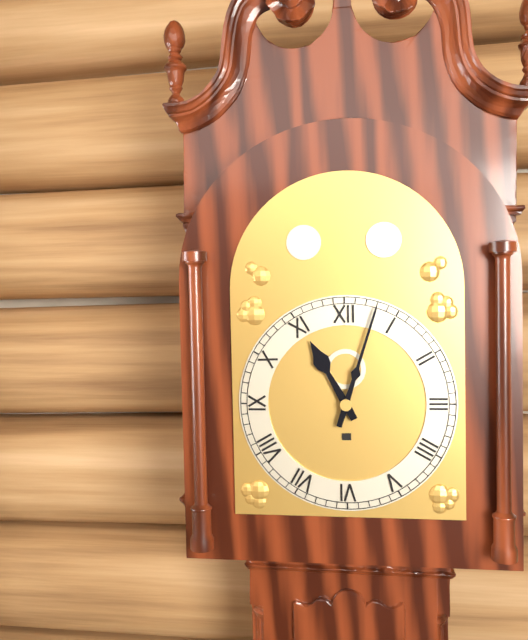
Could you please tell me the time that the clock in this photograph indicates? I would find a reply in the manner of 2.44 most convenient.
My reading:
11.03
